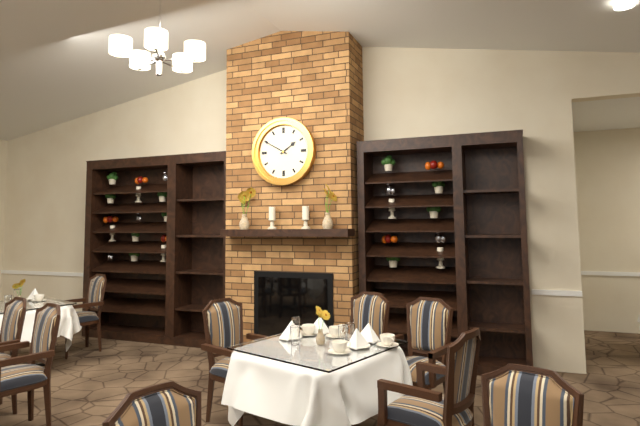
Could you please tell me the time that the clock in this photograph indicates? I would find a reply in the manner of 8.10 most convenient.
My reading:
1.50
